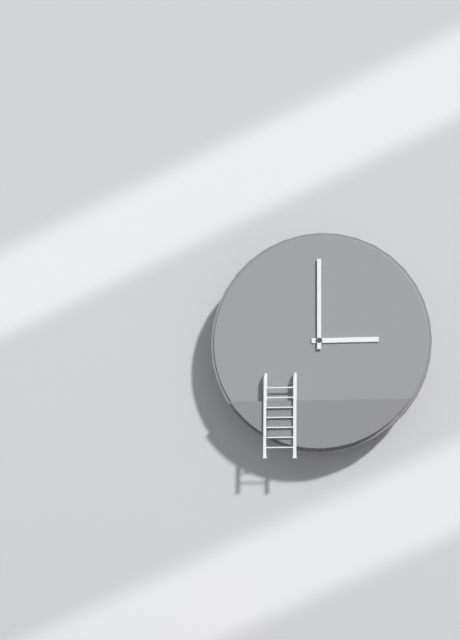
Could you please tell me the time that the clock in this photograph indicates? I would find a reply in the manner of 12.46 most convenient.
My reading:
3.00
